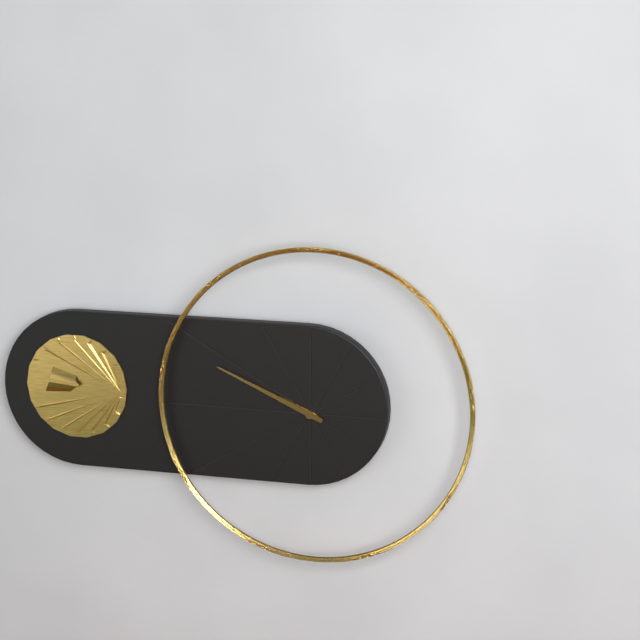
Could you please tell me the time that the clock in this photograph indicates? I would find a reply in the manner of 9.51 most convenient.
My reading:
9.49
